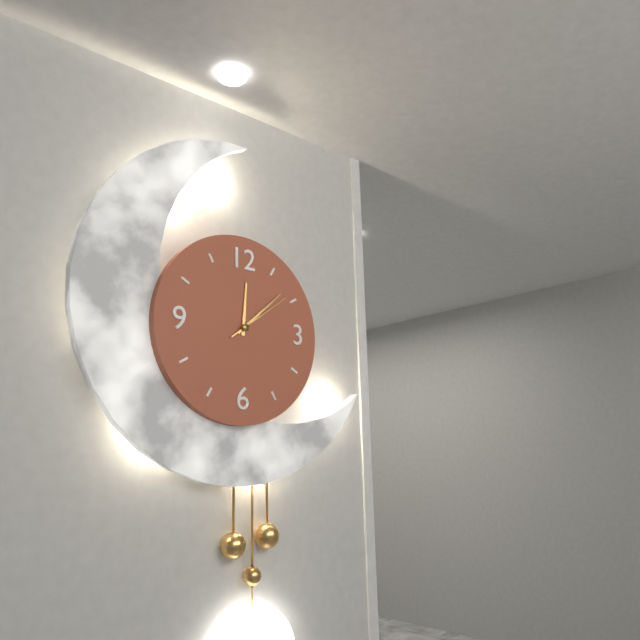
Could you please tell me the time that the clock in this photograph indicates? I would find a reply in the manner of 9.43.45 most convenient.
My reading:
12.08.09
